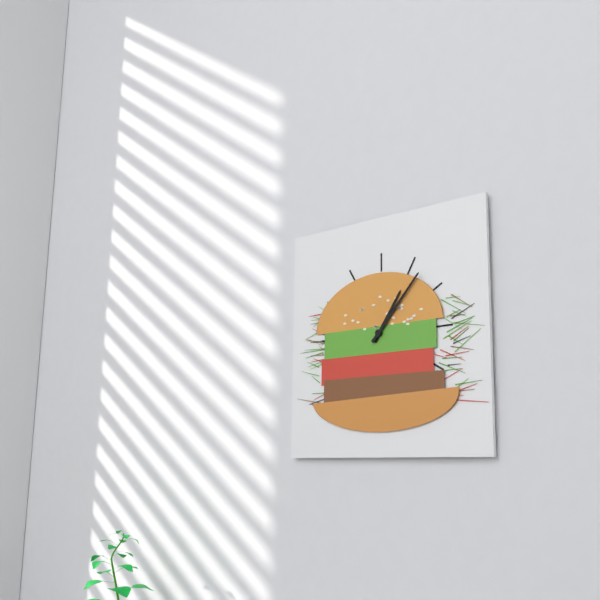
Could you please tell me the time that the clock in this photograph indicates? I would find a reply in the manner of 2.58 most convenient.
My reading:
1.07
